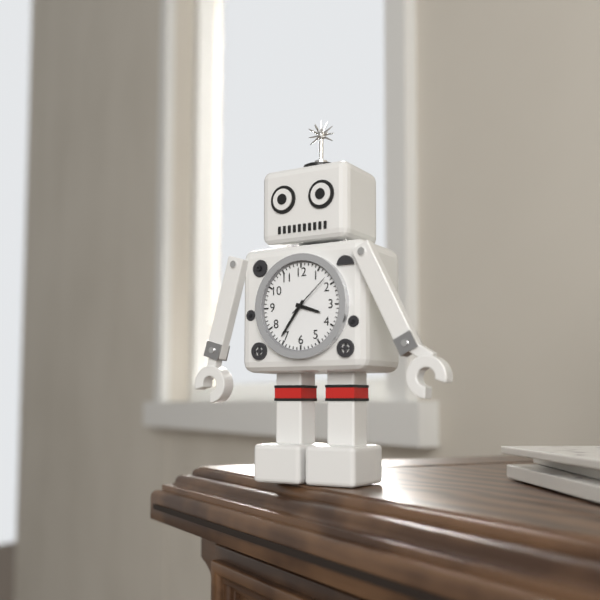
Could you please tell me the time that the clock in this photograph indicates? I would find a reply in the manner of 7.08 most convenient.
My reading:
3.36
